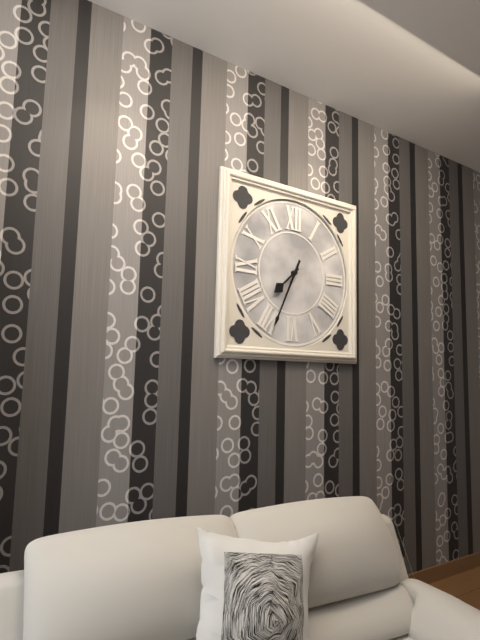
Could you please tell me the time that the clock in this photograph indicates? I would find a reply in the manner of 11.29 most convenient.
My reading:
7.34
